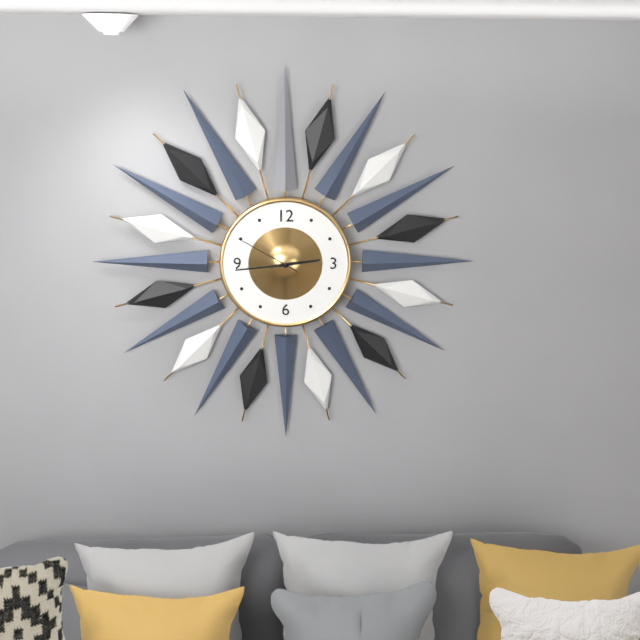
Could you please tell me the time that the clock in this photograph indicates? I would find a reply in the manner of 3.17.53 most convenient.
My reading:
2.44.50
